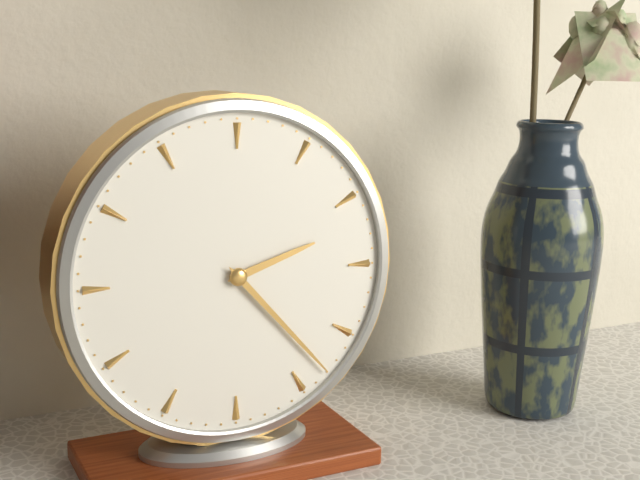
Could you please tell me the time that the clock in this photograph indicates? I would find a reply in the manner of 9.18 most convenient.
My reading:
2.23
